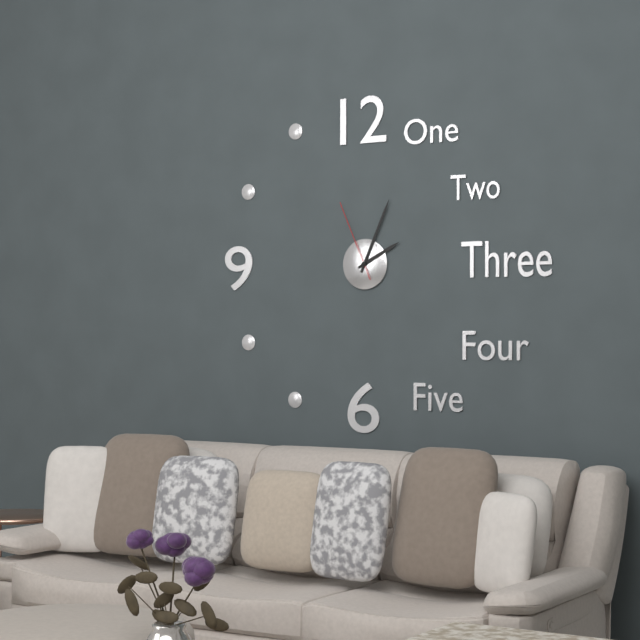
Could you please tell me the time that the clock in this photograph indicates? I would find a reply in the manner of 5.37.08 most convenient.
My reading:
2.04.56
